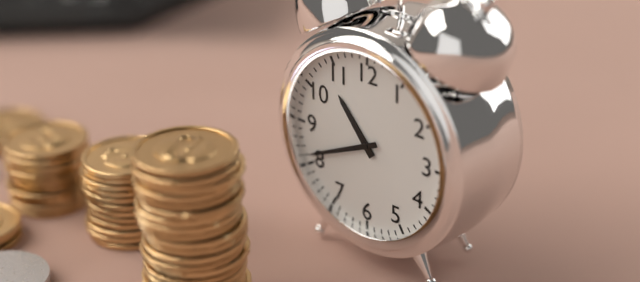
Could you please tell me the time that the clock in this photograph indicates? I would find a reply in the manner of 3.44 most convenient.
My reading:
10.41
